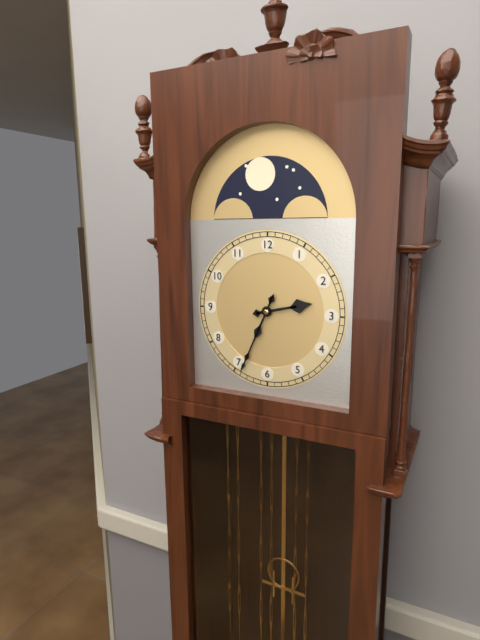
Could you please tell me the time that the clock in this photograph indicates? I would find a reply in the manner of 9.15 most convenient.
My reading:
2.34
